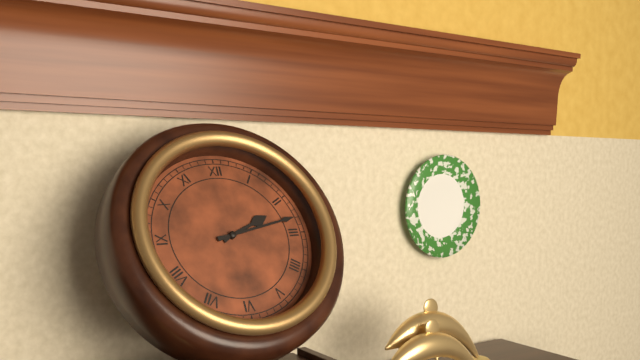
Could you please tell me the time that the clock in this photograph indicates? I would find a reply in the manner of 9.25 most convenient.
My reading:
2.13
